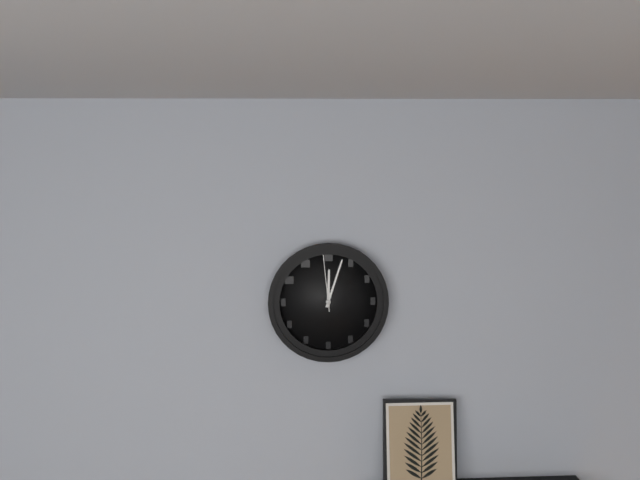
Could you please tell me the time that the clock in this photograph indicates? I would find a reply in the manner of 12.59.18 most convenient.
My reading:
12.03.59
